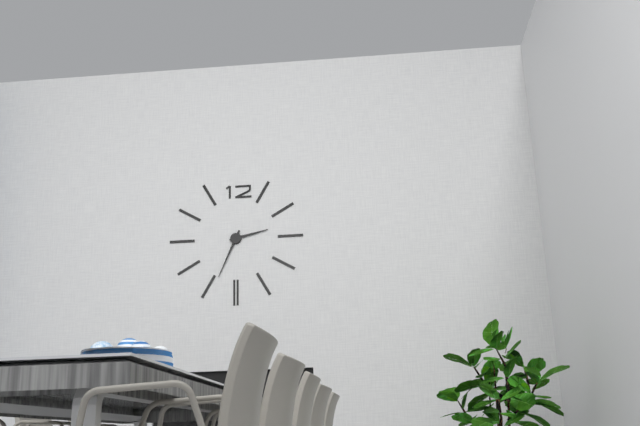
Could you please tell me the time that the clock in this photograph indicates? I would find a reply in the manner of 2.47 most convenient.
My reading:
2.34
